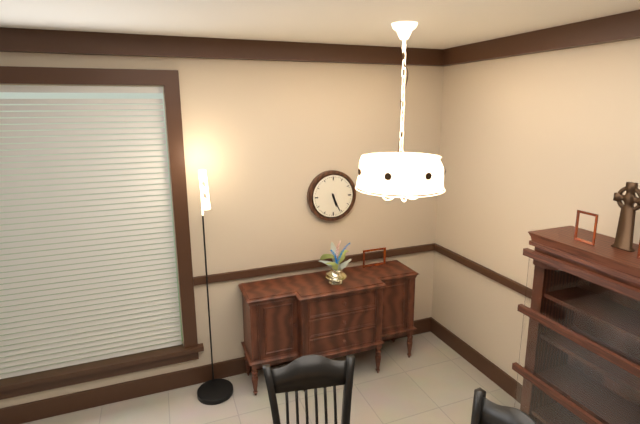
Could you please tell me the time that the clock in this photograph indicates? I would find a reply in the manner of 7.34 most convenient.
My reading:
5.26
